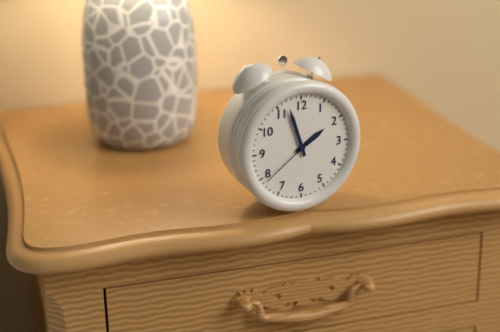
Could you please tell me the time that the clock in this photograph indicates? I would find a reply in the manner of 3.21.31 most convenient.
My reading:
1.57.39
